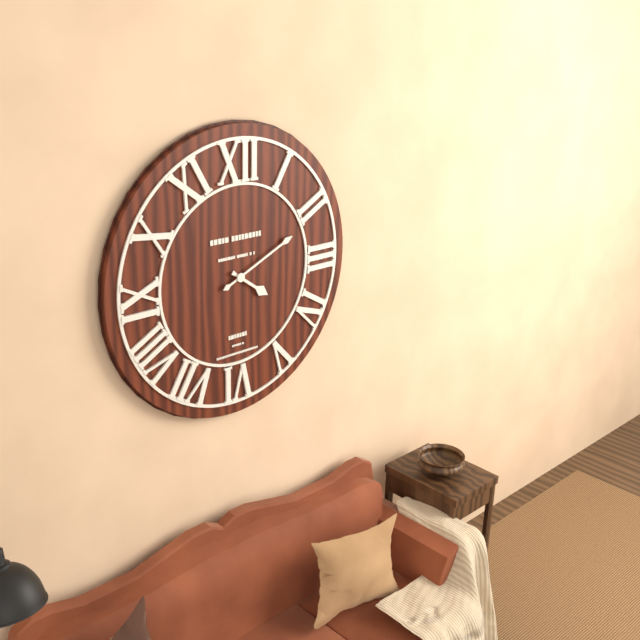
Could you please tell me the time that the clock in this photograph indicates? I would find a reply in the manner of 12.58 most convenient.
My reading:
4.11
